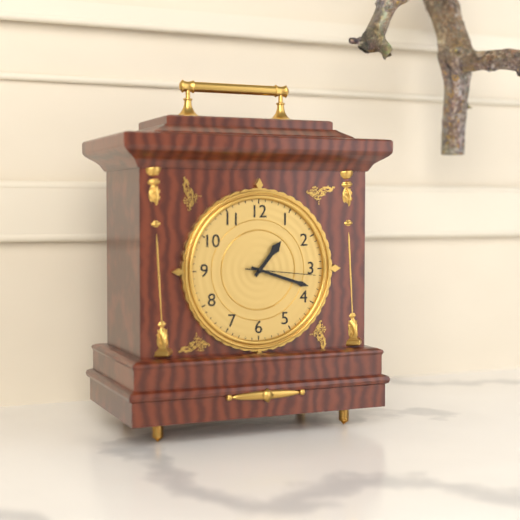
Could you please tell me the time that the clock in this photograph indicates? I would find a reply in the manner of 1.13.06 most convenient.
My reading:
1.18.16
